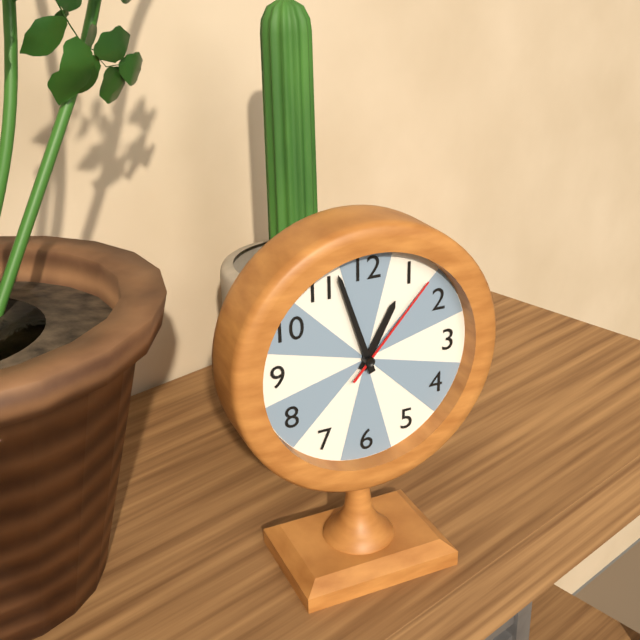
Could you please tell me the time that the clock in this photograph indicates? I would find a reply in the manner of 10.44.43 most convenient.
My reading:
12.57.07
